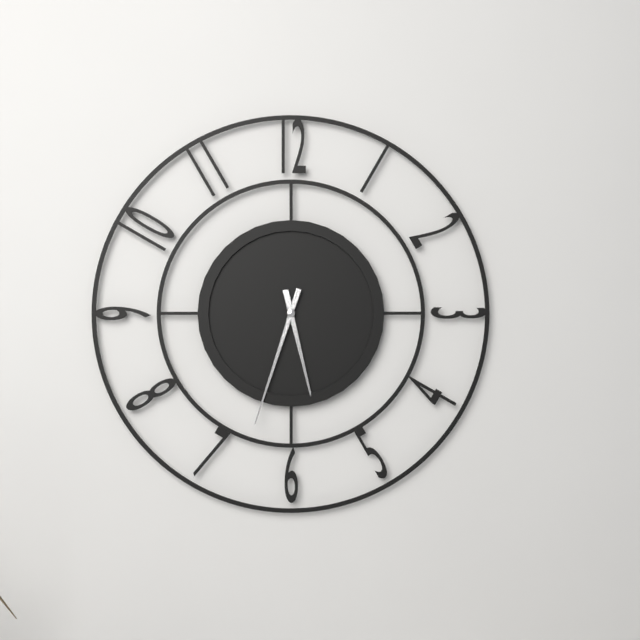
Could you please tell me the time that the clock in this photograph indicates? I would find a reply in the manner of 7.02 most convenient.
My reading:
5.33
